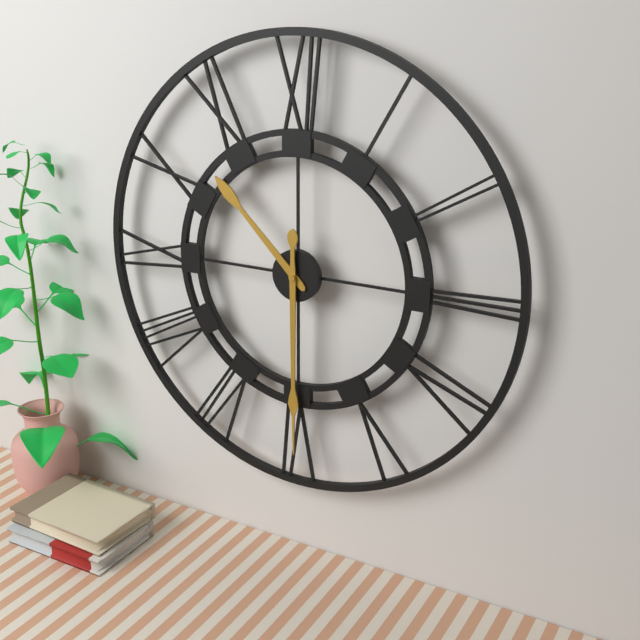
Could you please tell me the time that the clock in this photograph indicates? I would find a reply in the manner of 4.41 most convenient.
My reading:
10.30
